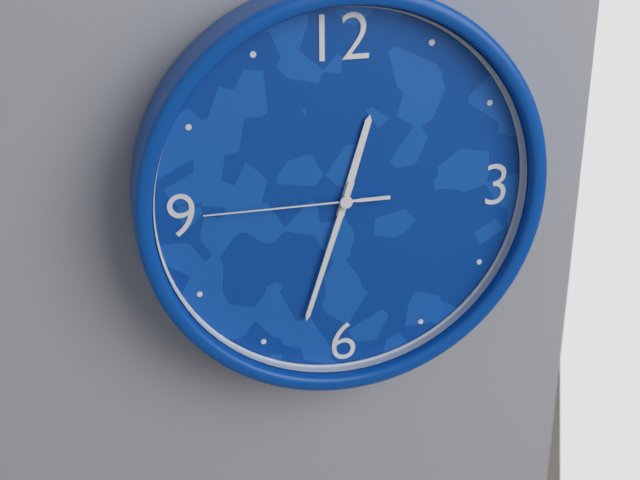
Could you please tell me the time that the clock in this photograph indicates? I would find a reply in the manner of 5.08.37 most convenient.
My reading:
12.33.45
